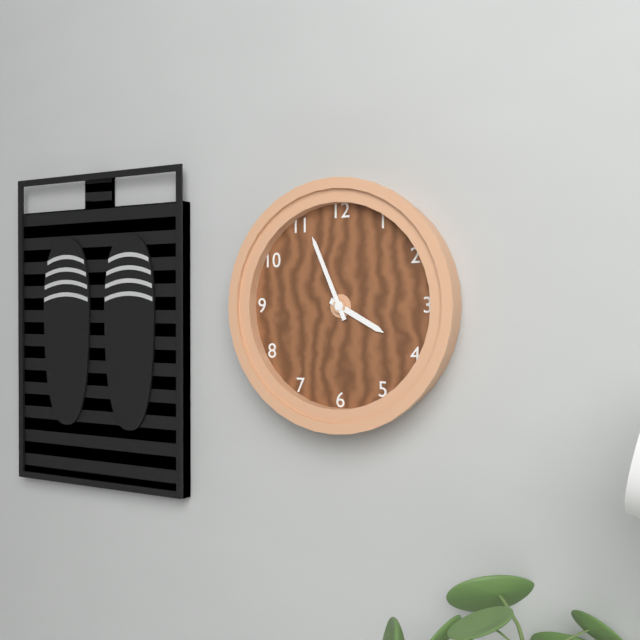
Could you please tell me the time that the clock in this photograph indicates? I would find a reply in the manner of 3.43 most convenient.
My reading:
3.56
